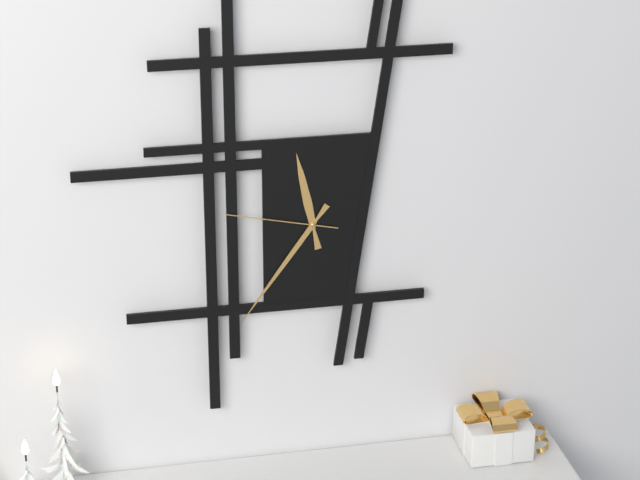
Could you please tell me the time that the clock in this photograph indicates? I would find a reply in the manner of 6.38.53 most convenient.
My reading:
11.36.47
